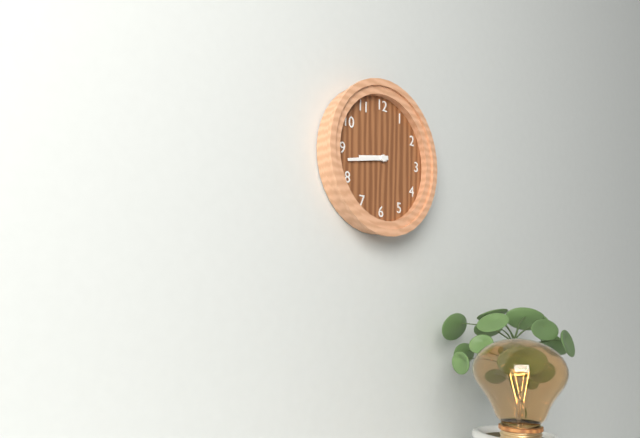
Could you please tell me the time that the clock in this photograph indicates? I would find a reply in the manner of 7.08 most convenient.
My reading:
8.43
